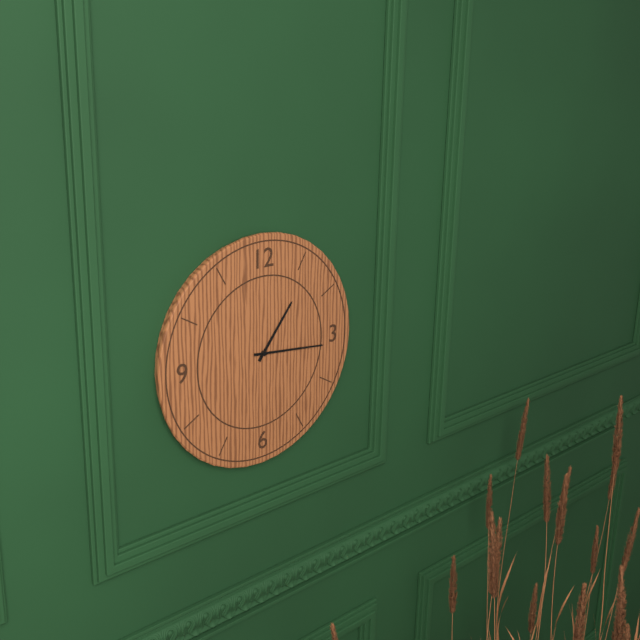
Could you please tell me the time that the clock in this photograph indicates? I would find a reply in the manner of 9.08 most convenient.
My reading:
1.16
